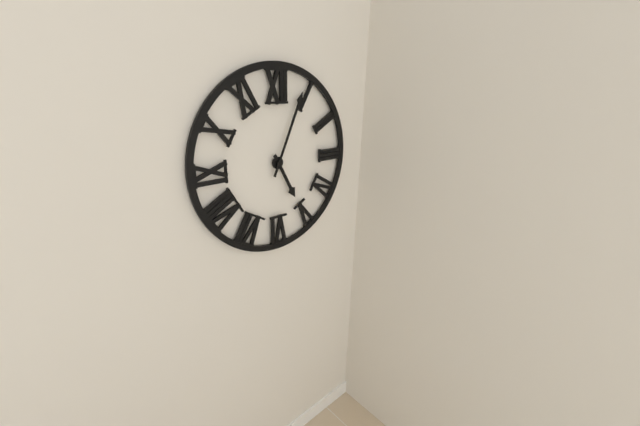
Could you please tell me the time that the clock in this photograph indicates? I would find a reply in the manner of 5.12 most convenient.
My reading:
5.04
